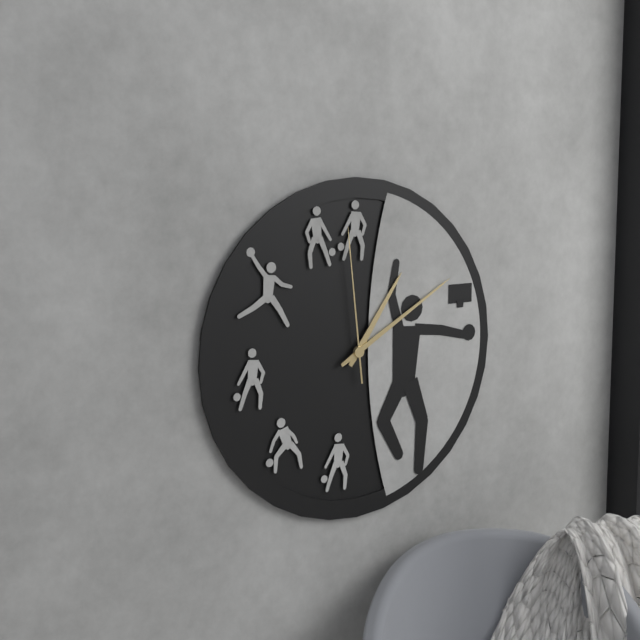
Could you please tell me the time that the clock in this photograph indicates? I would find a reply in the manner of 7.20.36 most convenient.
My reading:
1.10.59
